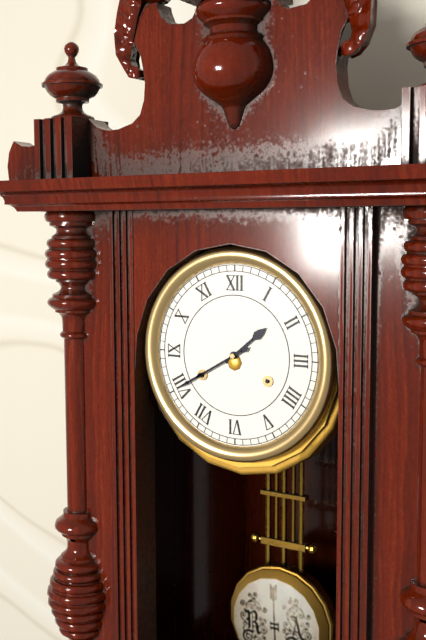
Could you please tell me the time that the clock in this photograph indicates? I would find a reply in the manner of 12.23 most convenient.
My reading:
1.40
